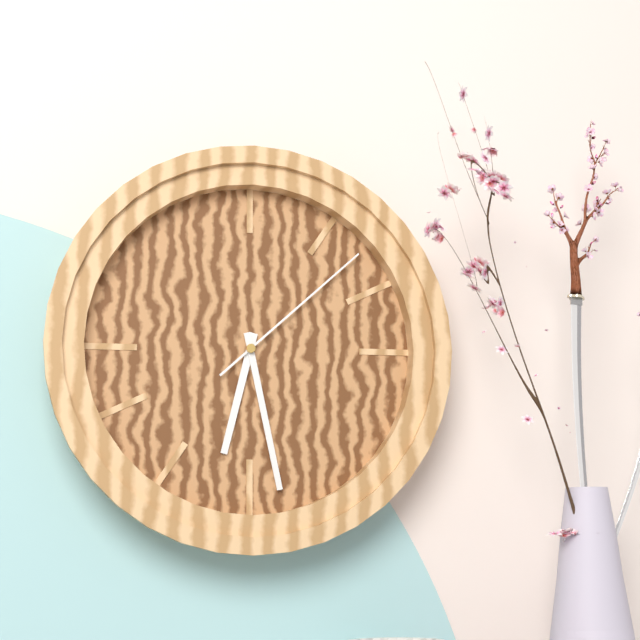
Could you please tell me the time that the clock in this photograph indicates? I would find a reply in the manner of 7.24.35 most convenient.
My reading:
6.28.08
